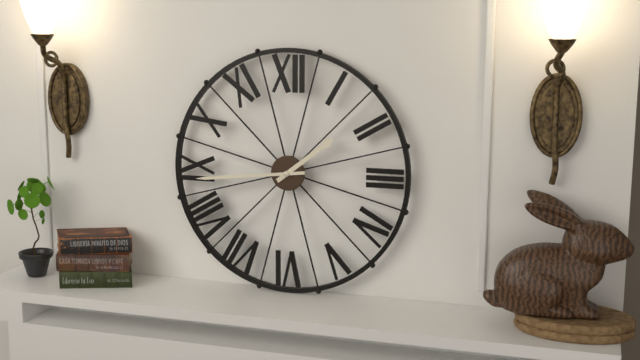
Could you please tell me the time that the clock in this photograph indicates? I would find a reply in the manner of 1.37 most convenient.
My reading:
1.44
